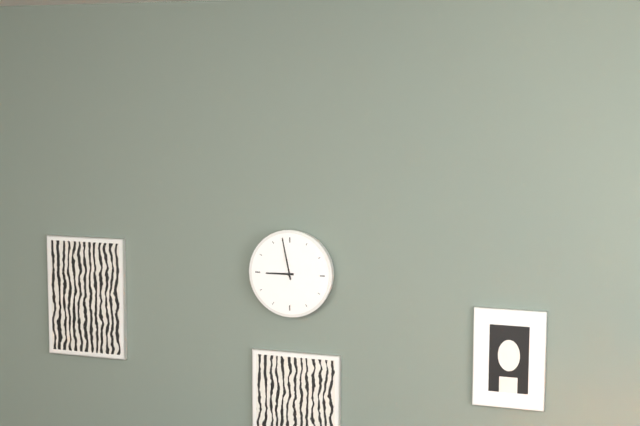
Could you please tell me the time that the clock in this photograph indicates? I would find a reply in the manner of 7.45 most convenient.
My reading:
8.58
